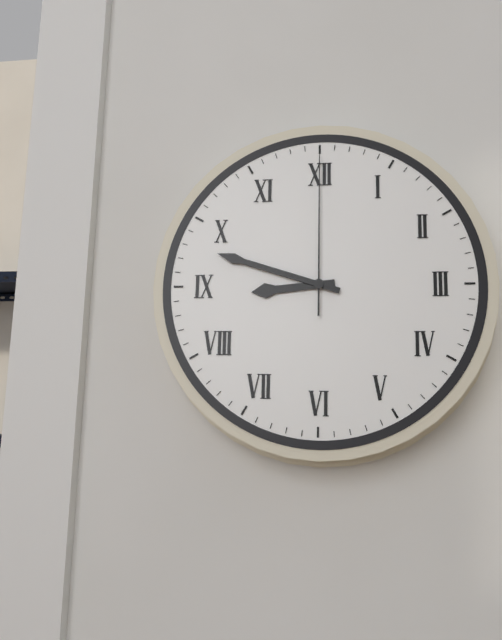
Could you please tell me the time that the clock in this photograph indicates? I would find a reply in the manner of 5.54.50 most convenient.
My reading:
8.48.00
